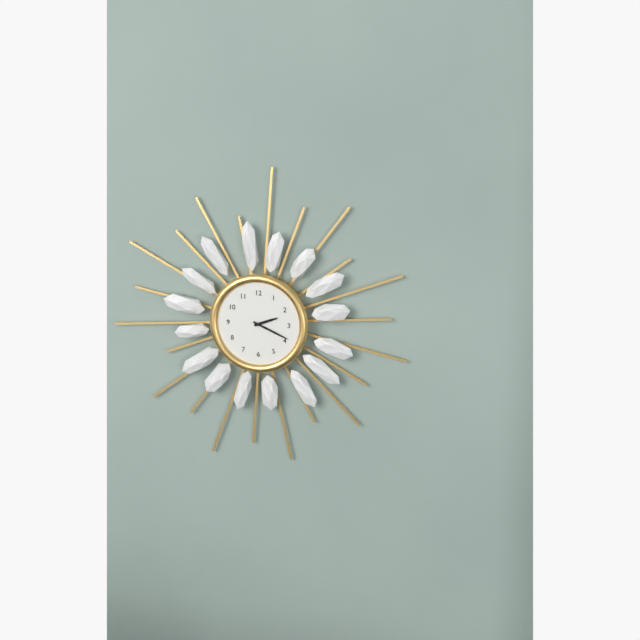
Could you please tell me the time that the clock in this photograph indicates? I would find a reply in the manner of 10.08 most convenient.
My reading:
2.19
